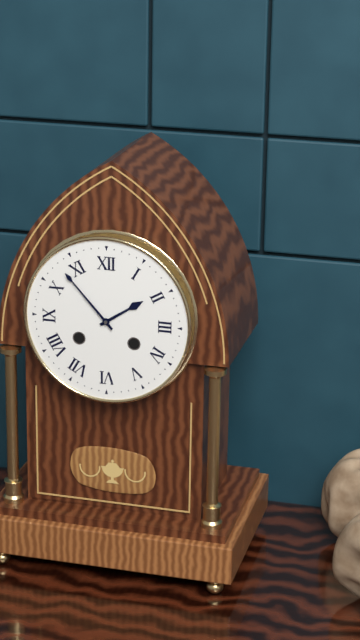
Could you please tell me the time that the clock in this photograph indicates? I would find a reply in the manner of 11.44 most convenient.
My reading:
1.53
